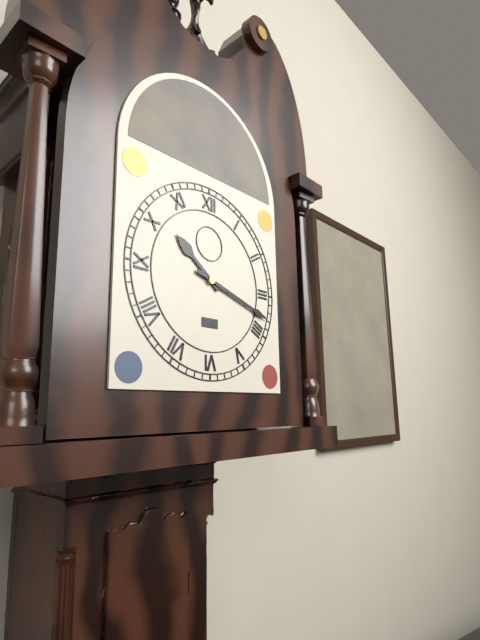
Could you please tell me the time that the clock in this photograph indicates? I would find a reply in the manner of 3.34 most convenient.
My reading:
10.18
